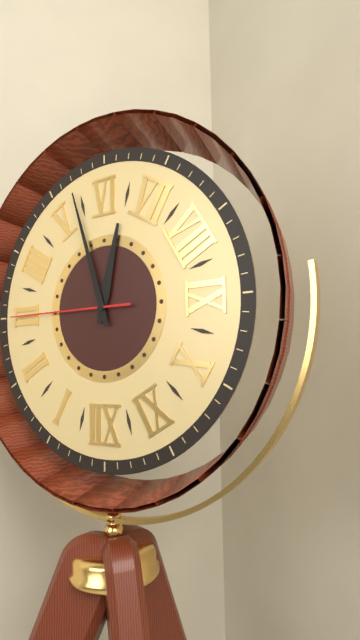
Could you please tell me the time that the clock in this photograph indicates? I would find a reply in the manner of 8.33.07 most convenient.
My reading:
6.27.15
